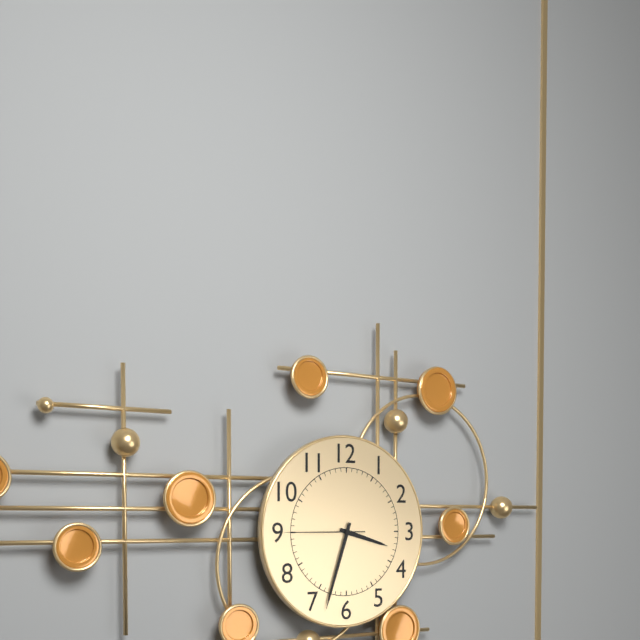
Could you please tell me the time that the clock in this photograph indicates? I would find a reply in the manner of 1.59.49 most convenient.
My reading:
3.33.45
